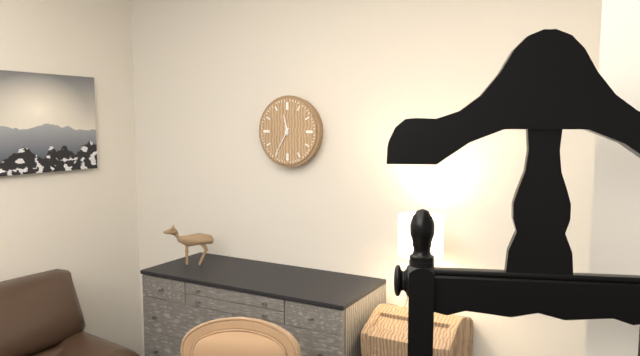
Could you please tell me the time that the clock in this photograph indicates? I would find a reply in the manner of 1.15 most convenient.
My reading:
11.35
